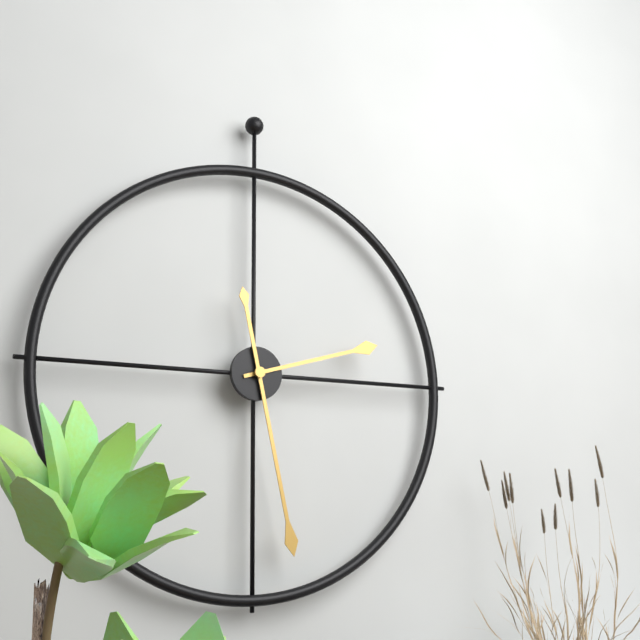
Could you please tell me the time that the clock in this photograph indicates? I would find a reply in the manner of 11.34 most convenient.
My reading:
2.28
